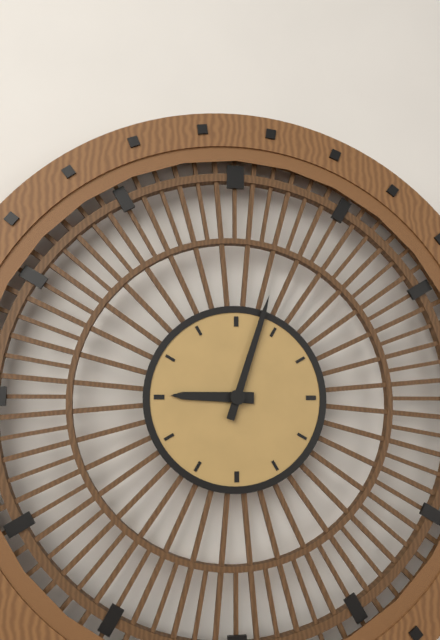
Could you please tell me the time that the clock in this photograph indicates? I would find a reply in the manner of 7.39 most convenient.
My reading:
9.03
